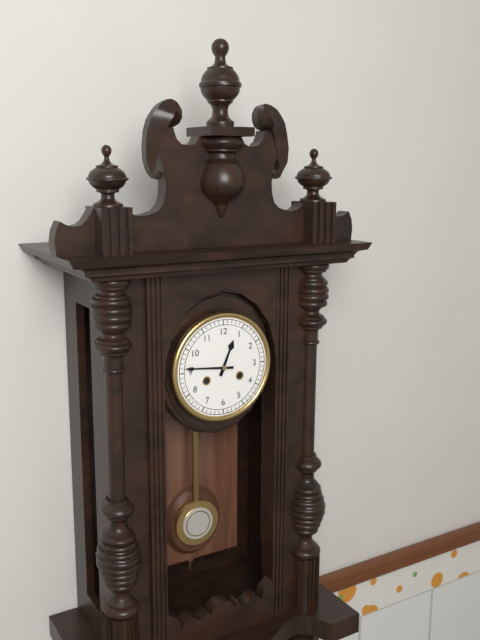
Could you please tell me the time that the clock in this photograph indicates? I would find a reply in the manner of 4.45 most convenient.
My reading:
12.46
